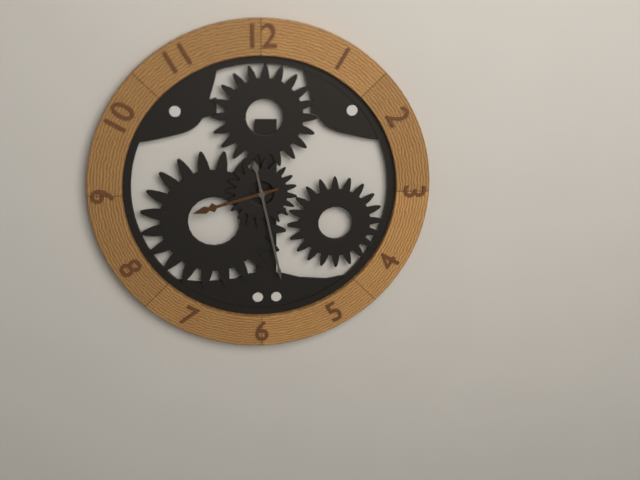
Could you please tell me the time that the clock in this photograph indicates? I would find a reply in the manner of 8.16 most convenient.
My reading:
8.28
